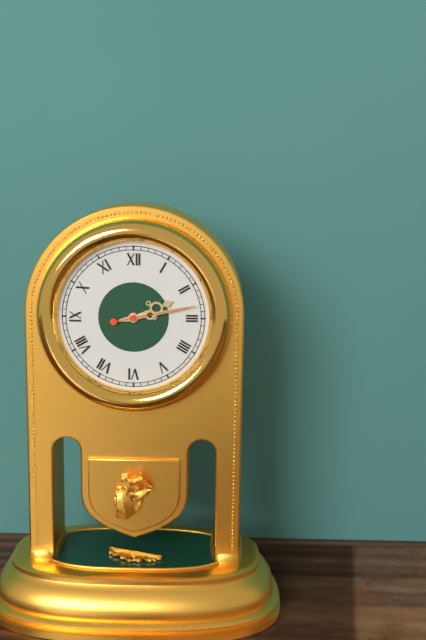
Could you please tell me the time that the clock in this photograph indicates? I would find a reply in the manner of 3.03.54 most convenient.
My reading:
2.13.13
